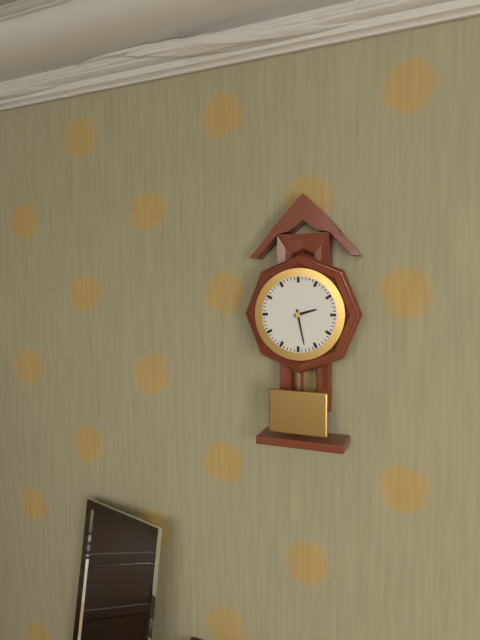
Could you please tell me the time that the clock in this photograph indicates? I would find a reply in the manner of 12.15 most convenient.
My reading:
2.28
